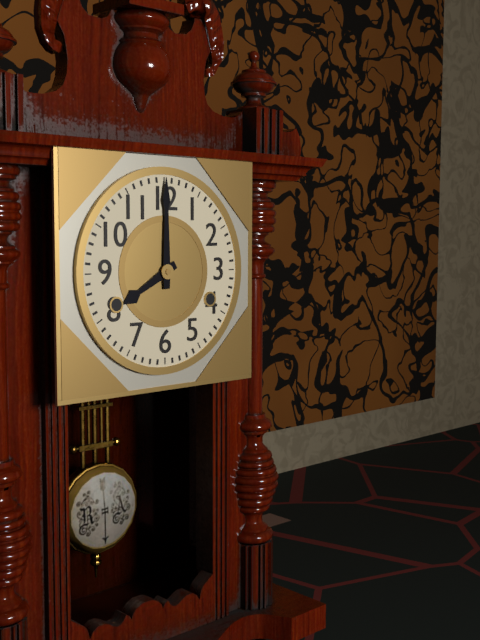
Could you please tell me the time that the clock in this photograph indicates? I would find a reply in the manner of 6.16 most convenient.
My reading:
8.00
